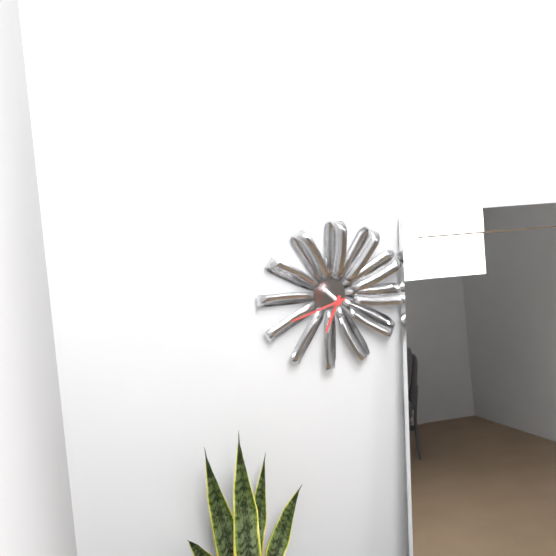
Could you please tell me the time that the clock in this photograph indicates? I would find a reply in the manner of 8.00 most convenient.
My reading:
6.42
